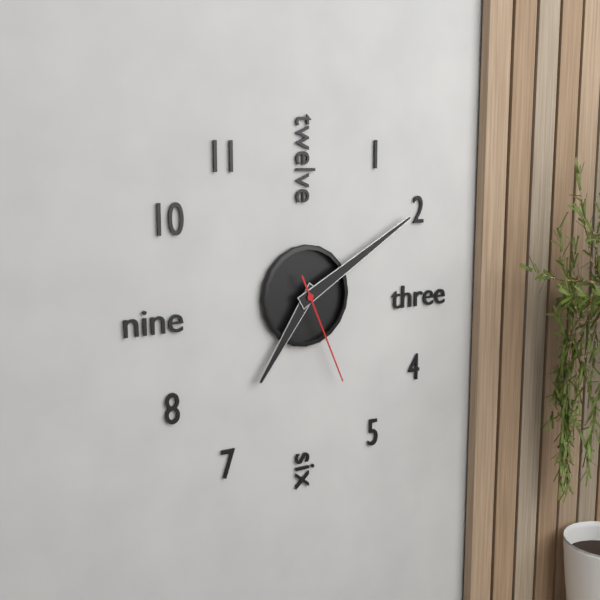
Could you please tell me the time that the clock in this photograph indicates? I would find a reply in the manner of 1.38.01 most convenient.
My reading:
7.10.26
